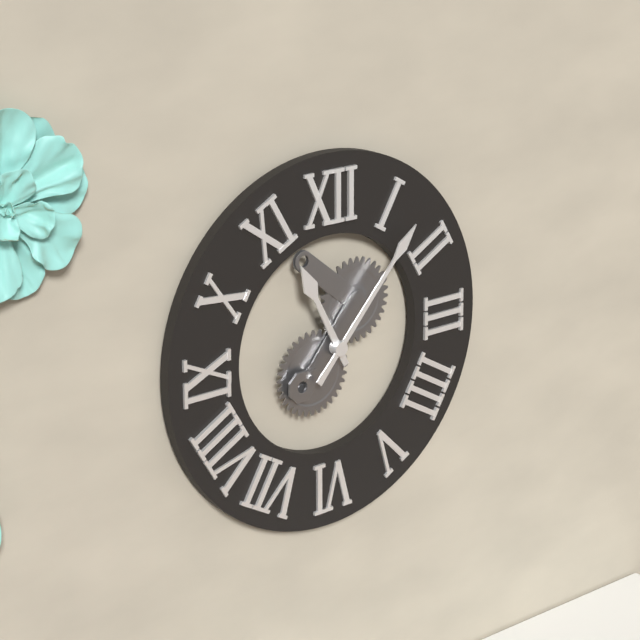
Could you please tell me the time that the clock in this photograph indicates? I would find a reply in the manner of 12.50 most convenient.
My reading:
11.07
